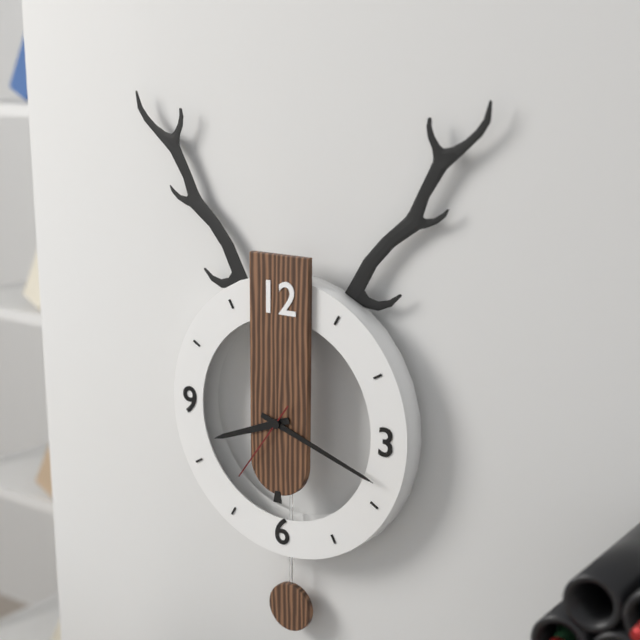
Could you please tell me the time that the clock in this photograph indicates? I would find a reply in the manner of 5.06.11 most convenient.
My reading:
8.18.36
